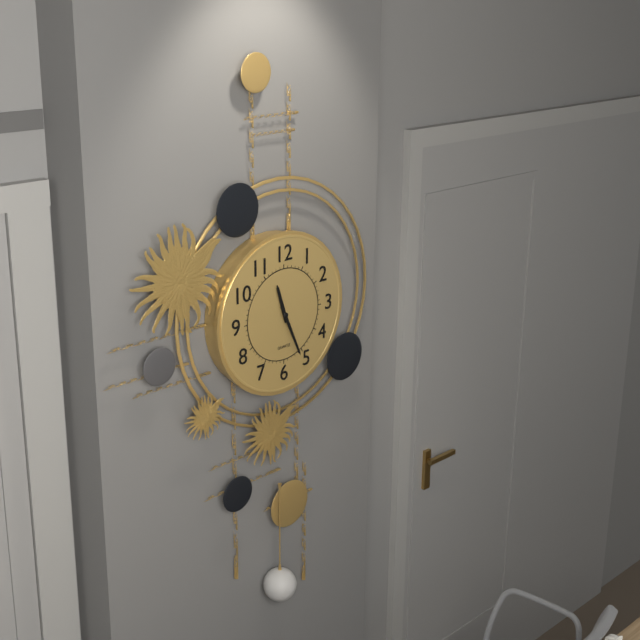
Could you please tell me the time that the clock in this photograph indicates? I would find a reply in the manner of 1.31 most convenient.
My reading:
11.26
